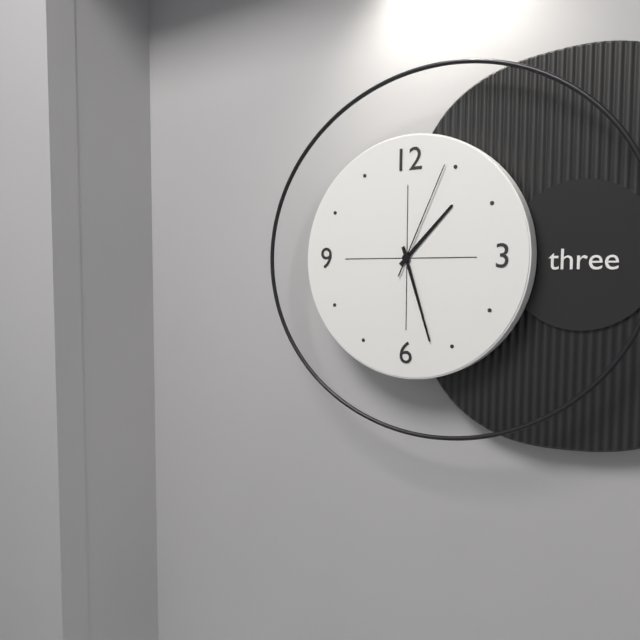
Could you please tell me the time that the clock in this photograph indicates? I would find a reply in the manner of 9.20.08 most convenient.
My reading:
1.27.04
